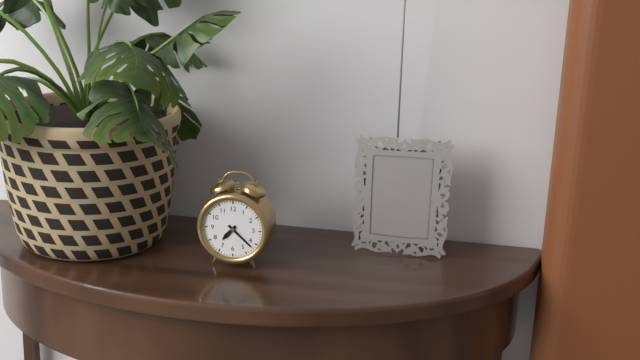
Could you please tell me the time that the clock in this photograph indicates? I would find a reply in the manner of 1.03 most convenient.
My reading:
7.22
